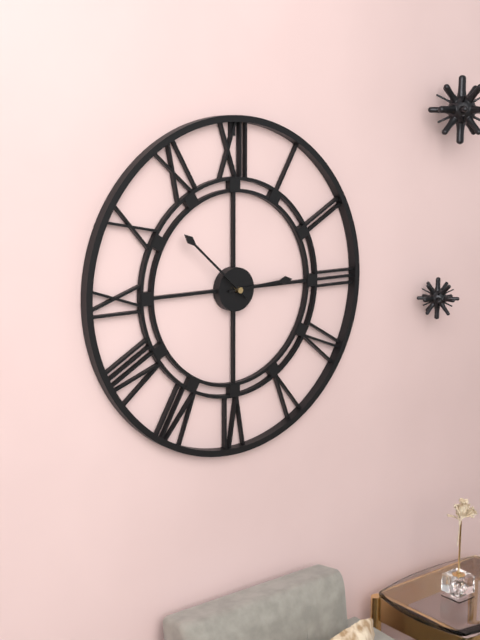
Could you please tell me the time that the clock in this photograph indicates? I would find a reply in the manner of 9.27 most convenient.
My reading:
2.52
